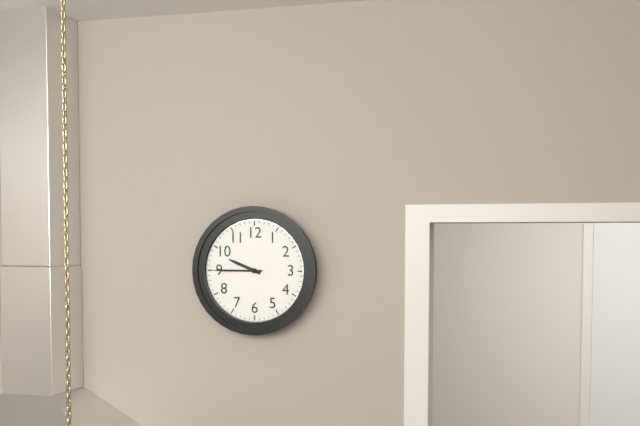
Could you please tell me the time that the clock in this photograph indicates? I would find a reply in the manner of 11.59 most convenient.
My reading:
9.45
